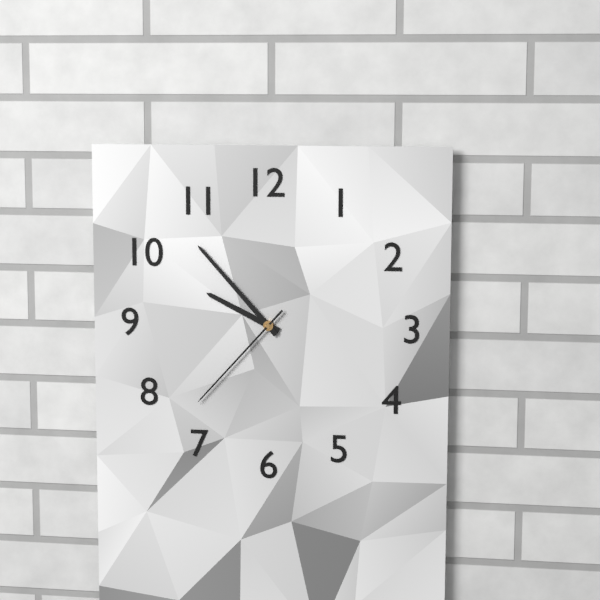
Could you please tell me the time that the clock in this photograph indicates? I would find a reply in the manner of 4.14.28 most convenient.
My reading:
9.53.37
